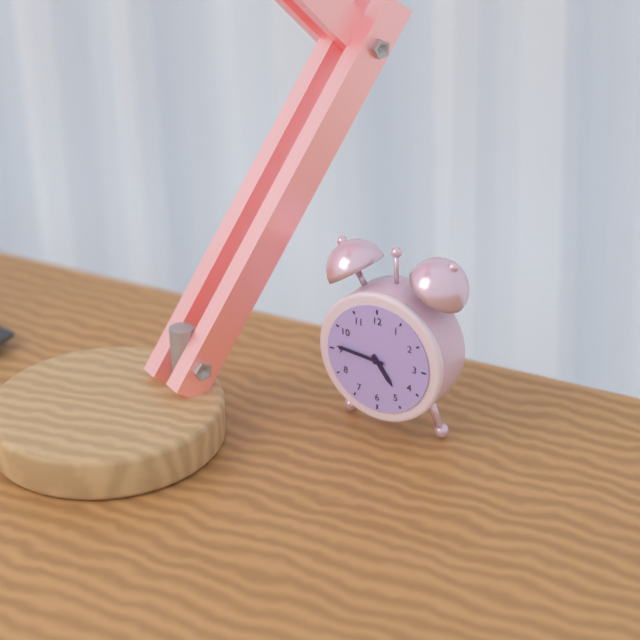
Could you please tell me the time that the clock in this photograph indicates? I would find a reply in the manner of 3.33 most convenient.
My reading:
4.46
